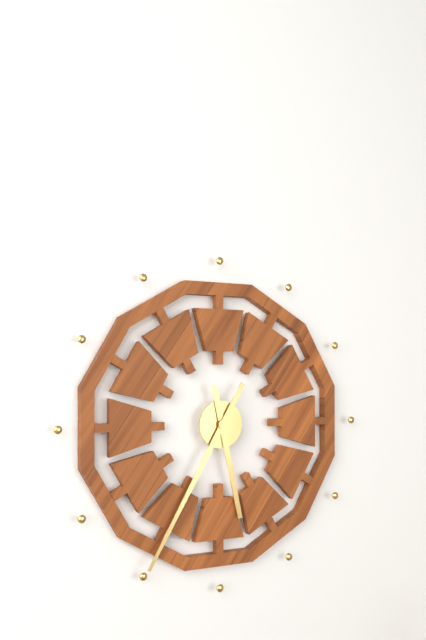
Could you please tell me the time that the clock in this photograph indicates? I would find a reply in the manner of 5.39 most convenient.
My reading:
5.35
